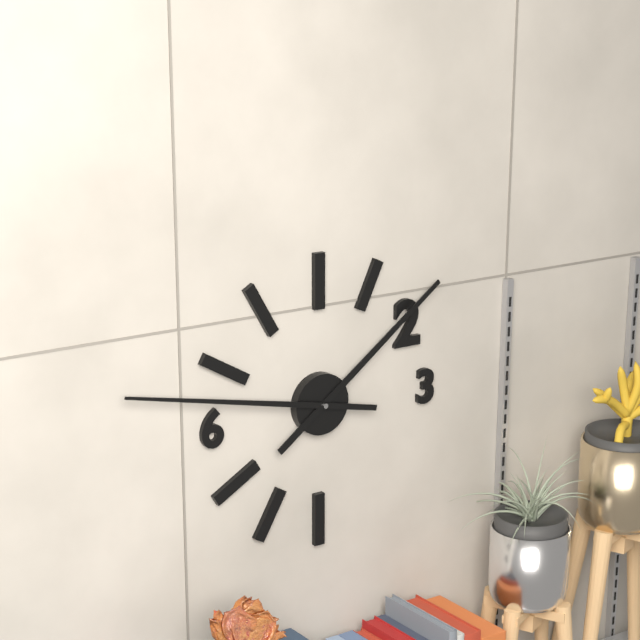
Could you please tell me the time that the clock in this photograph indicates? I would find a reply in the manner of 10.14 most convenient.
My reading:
1.47
